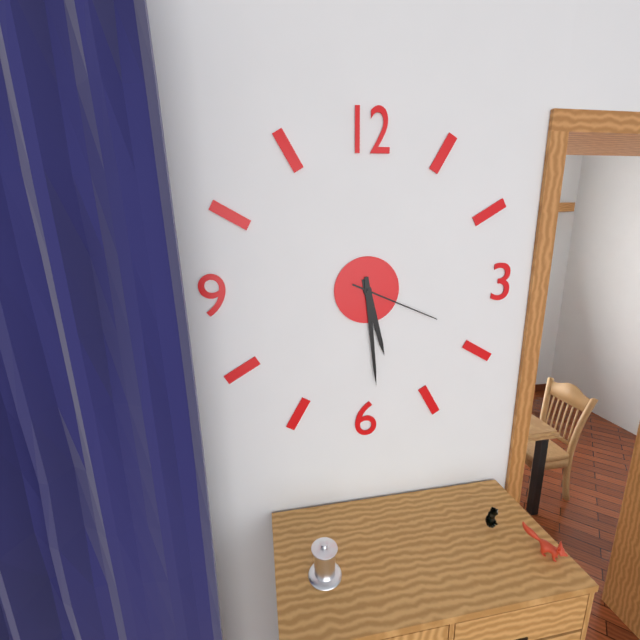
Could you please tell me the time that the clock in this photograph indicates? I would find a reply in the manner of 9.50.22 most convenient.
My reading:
5.29.19
